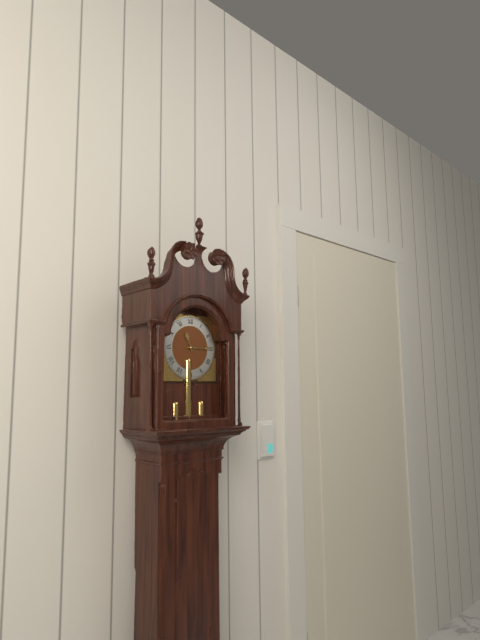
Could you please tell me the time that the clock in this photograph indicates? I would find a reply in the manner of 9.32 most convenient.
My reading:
11.15
